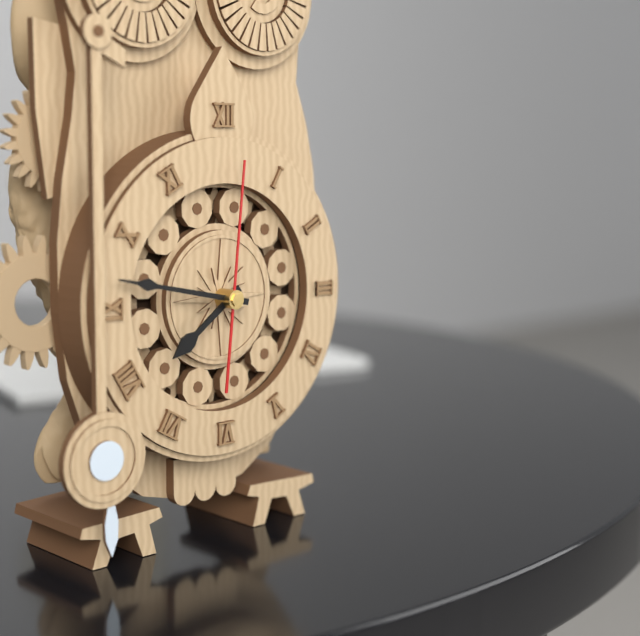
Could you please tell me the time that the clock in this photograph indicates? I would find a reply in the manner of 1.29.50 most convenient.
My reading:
7.47.01
